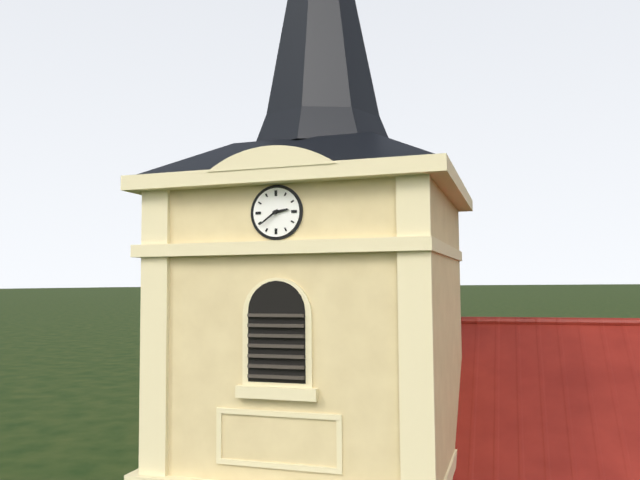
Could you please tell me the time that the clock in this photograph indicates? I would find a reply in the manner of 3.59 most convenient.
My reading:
2.39
